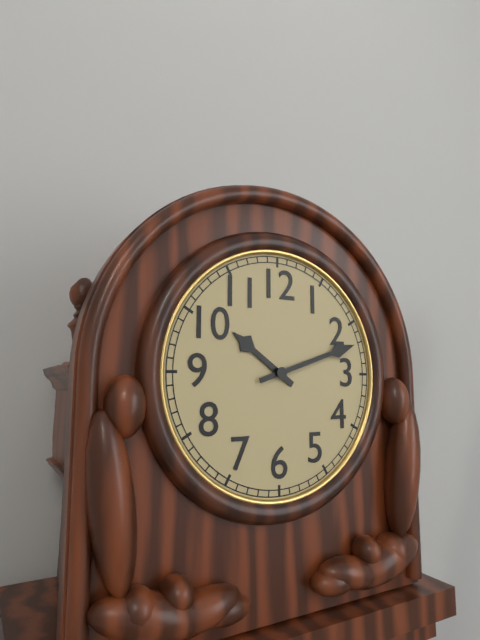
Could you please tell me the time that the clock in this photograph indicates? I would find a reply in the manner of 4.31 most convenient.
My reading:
10.12
